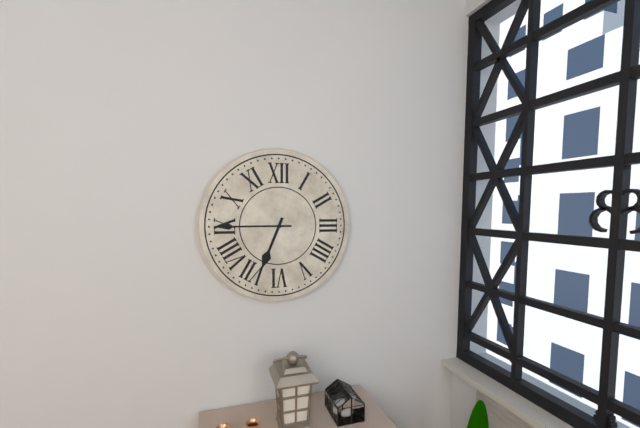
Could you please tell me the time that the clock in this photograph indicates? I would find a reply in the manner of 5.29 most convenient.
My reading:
6.45
